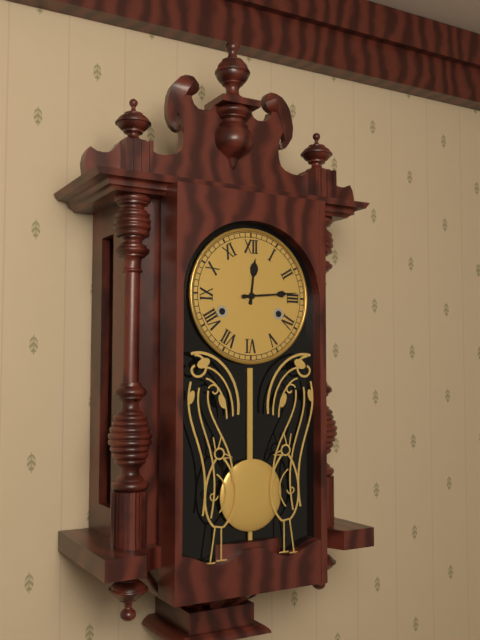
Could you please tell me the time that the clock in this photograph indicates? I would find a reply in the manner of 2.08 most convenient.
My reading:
12.14
